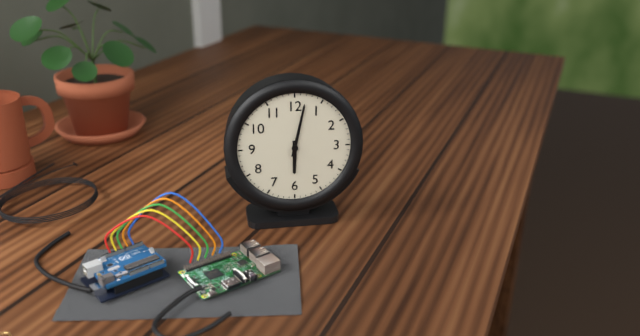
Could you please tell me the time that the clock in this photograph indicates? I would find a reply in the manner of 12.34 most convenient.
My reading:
6.02
